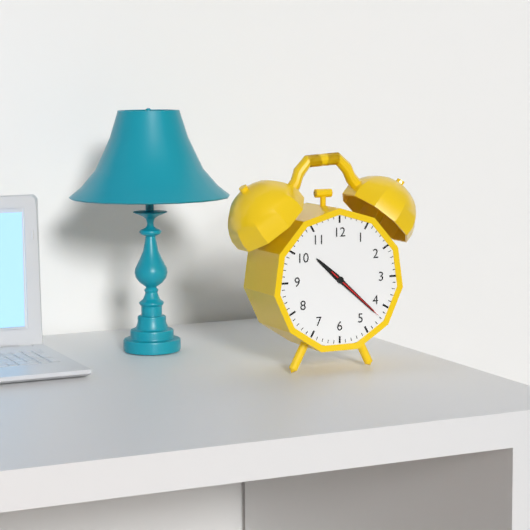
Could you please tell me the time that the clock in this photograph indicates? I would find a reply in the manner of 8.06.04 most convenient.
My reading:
10.22.22
